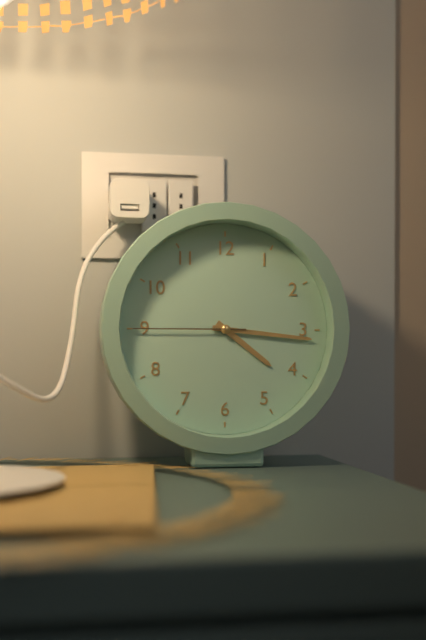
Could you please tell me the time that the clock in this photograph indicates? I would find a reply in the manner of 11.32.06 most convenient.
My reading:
4.16.45
